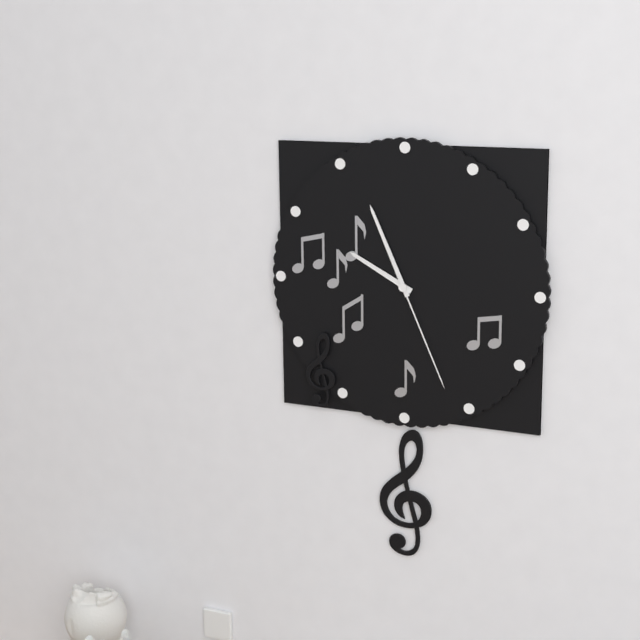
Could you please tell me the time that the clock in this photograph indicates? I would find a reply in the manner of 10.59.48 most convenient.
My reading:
9.56.26
